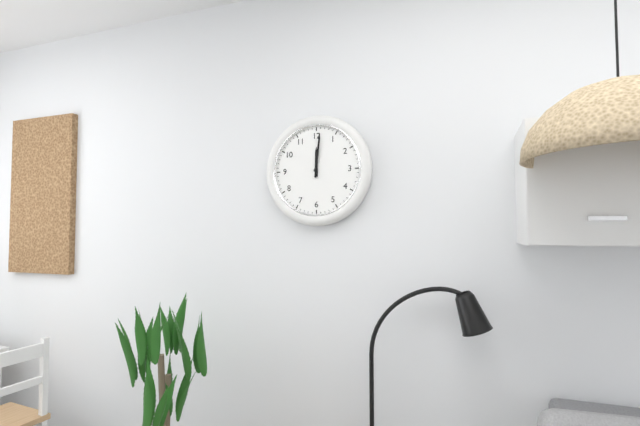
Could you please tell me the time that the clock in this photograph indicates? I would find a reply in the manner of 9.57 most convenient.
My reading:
12.01
